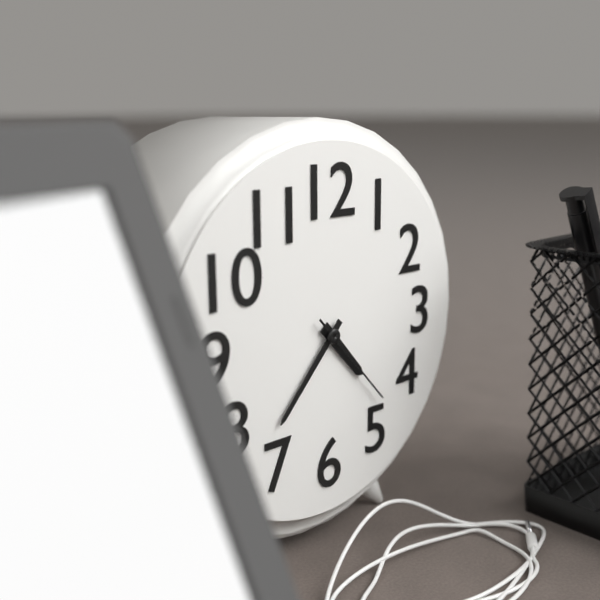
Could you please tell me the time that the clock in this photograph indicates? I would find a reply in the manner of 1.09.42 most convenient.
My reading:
4.37.23
